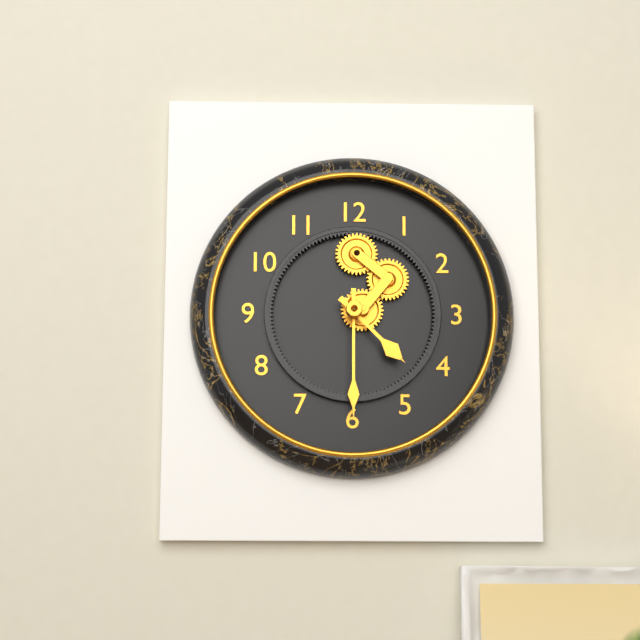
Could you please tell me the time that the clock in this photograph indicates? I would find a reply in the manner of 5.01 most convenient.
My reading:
4.30
